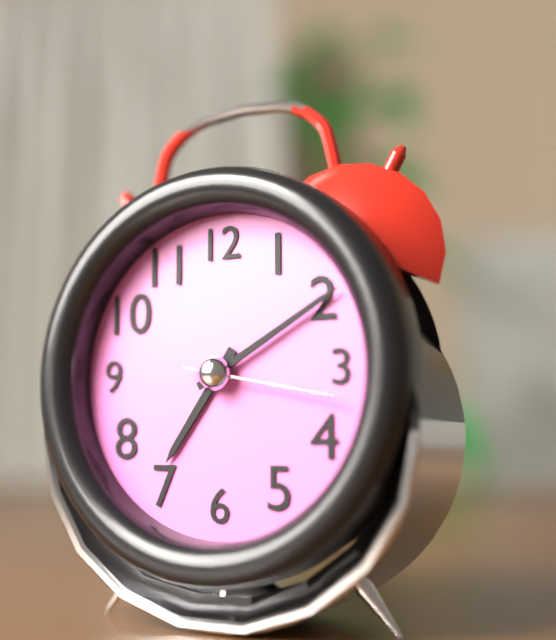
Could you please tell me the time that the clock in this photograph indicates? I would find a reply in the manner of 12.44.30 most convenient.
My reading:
7.10.17
